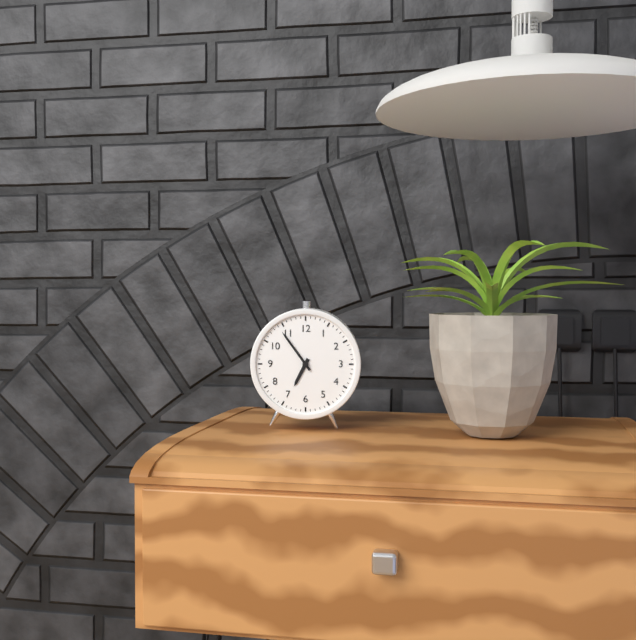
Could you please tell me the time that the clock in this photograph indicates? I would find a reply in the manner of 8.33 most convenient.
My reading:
6.54
